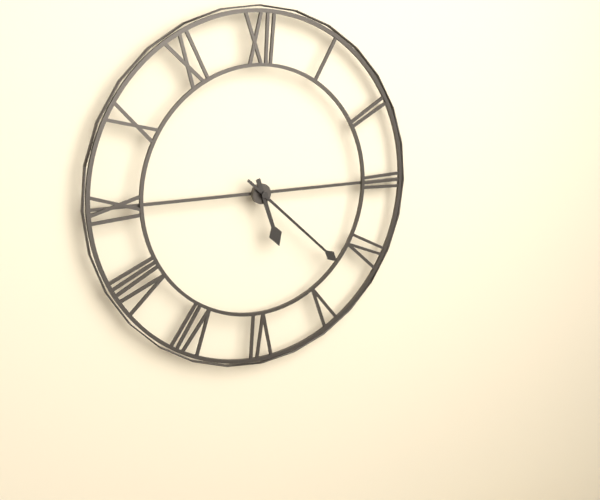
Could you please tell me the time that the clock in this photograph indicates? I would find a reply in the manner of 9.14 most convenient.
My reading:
5.22
